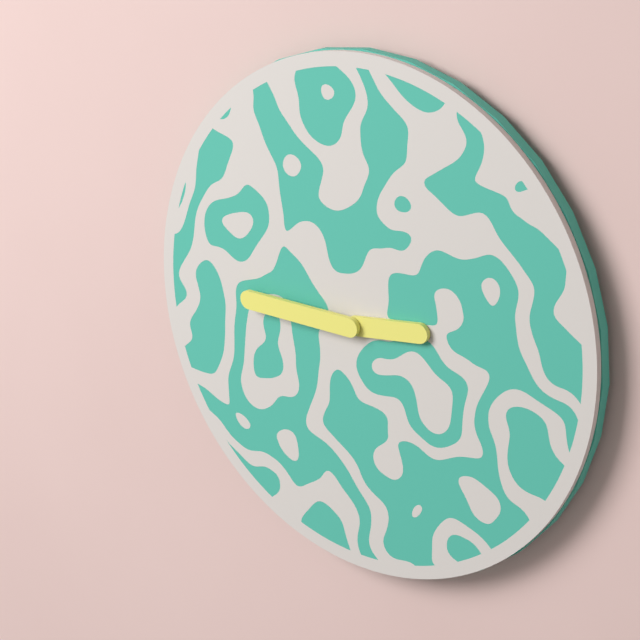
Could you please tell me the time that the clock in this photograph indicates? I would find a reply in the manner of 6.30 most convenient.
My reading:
2.45
